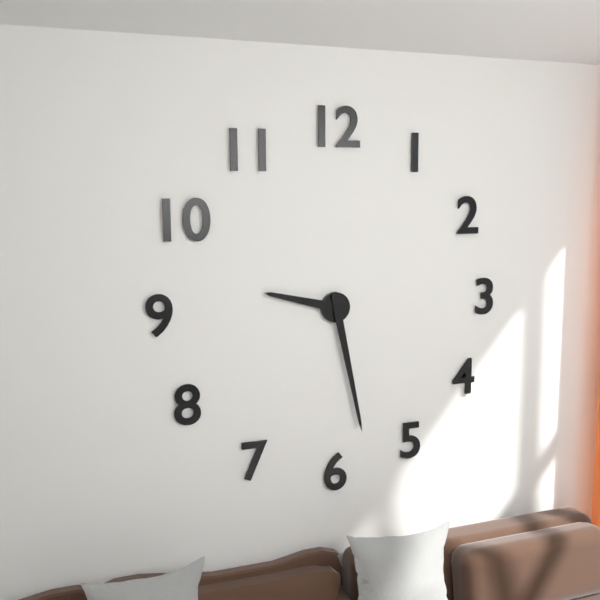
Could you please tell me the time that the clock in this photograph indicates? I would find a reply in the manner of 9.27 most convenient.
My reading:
9.28
